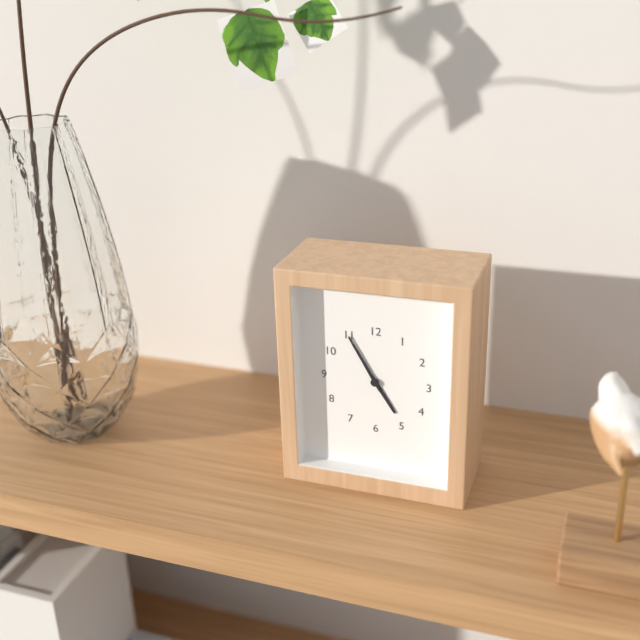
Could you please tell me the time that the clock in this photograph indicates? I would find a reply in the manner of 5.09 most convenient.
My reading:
4.55
